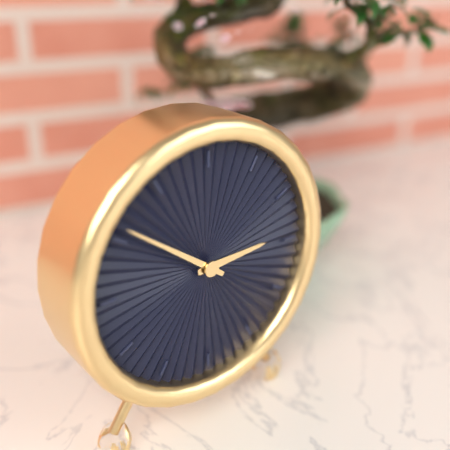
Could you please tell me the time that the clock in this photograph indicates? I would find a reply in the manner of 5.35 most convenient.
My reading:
2.51
